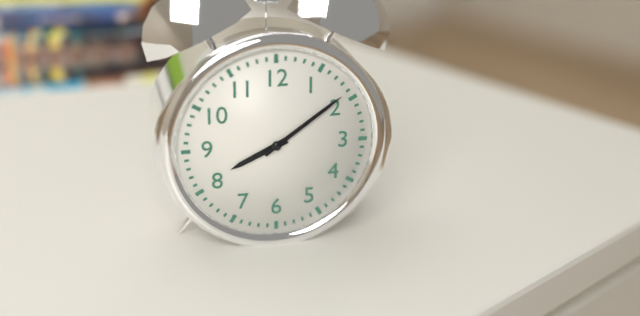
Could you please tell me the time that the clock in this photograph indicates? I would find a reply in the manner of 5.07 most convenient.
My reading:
8.09
